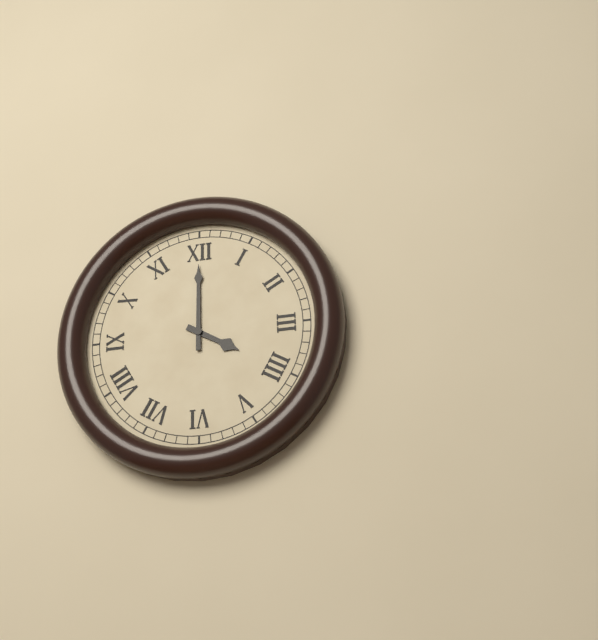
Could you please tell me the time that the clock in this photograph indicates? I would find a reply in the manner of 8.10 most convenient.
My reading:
4.00
